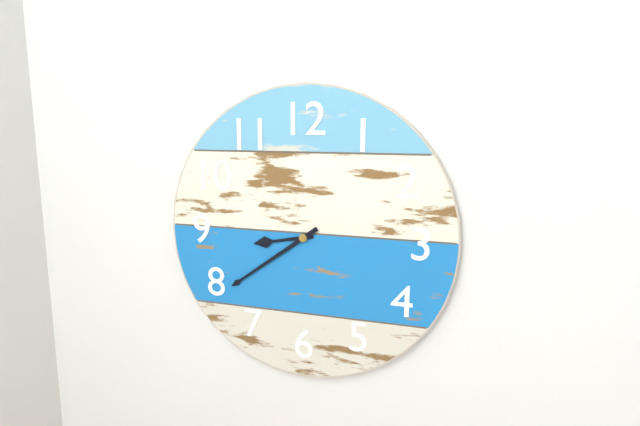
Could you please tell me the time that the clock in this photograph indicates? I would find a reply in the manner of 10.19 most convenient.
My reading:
8.39
